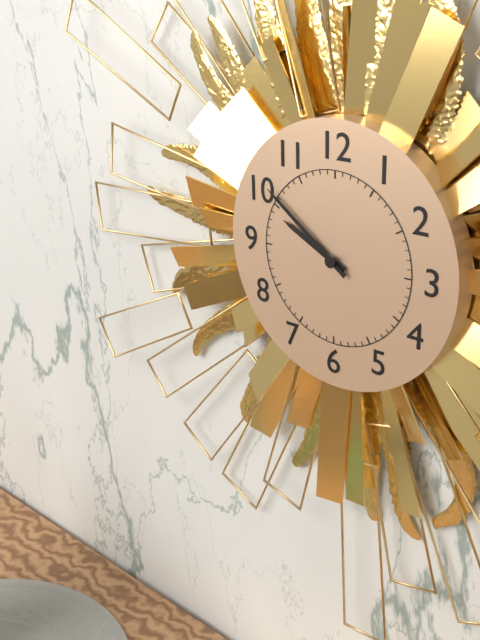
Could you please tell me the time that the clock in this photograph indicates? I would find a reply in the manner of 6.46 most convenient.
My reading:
9.51
